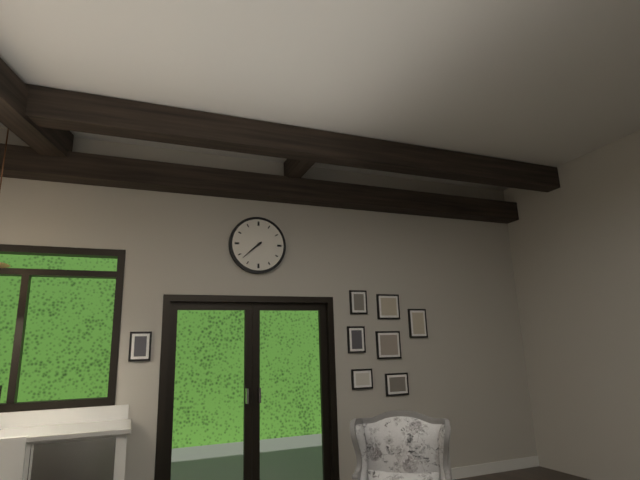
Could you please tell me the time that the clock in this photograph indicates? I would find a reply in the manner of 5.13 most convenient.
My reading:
7.38
